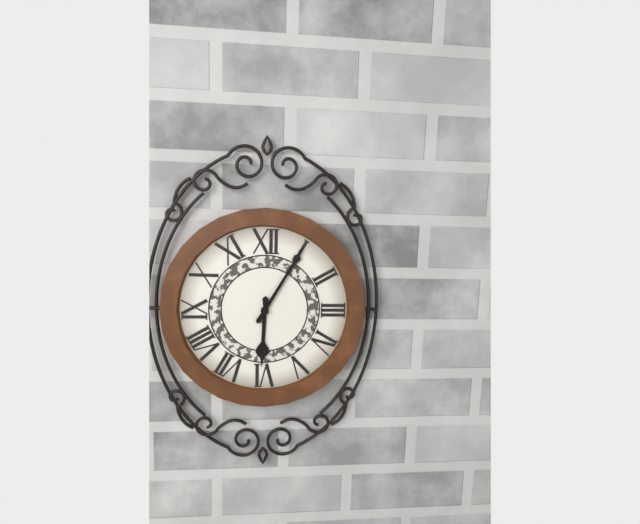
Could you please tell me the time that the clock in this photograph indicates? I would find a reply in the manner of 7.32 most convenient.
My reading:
6.05
